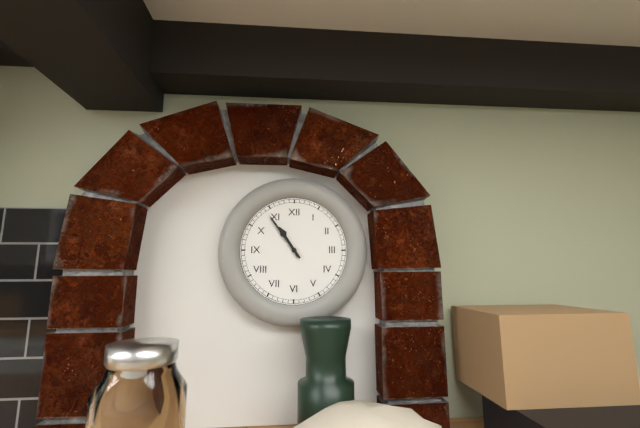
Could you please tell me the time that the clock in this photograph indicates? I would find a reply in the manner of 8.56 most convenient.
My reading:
10.54
